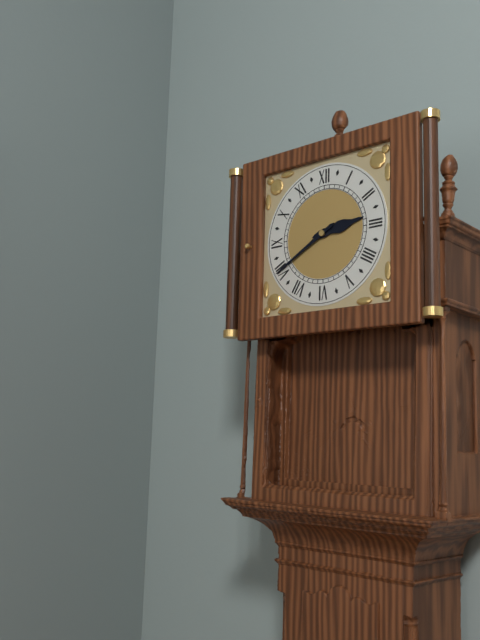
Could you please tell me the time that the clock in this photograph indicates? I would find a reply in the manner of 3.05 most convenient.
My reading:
2.40
